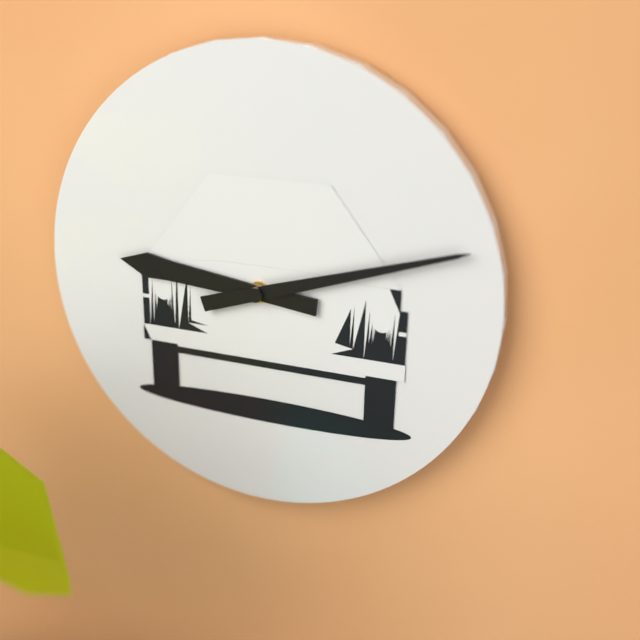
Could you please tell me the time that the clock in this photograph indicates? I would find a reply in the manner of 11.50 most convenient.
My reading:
9.12
